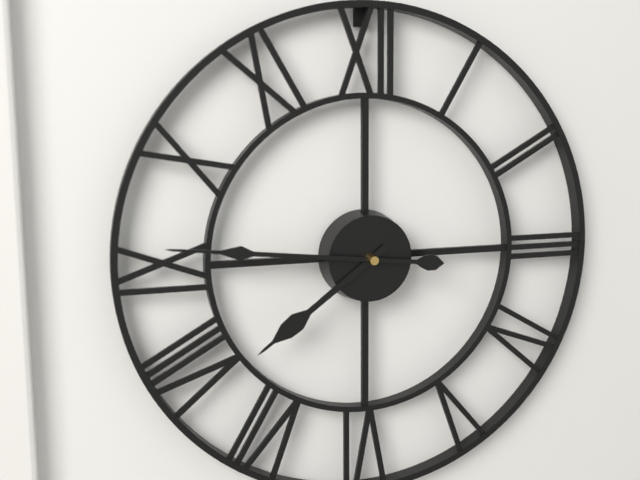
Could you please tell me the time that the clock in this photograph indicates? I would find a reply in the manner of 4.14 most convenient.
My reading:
7.46
